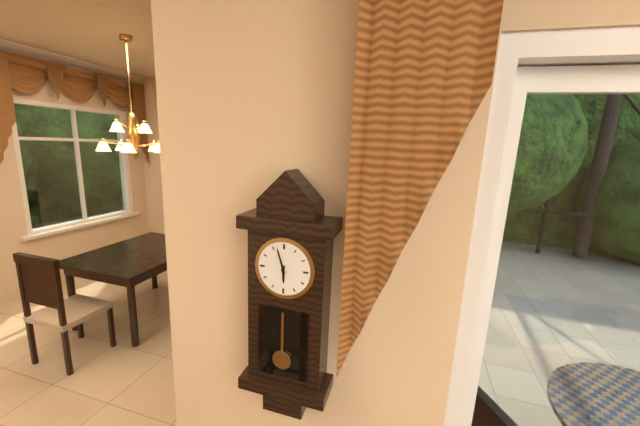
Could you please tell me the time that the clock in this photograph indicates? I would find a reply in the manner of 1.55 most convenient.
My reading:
5.57
